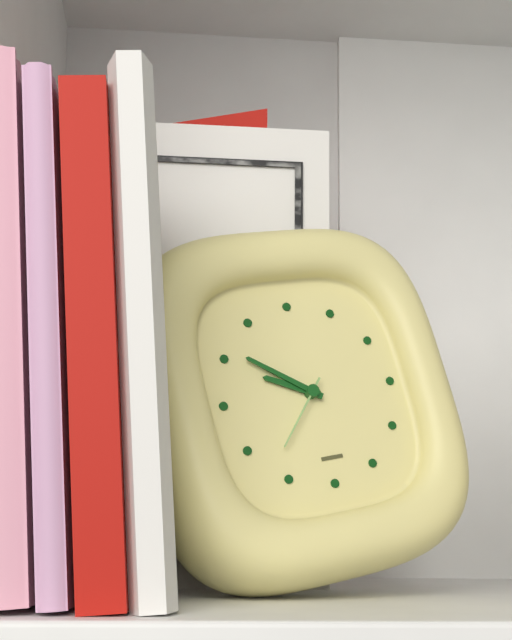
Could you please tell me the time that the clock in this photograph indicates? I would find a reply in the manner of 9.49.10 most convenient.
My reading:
9.51.37
